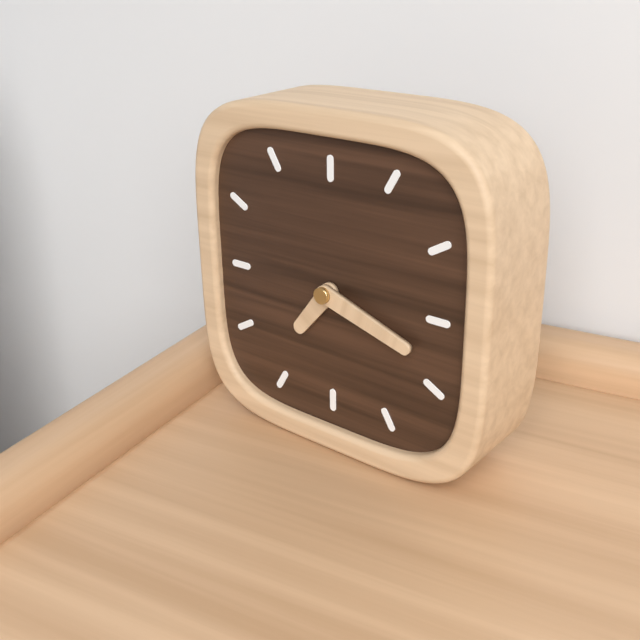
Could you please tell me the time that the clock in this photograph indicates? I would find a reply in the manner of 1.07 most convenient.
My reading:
7.18
